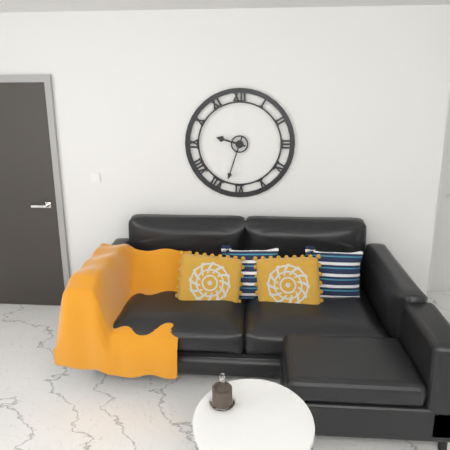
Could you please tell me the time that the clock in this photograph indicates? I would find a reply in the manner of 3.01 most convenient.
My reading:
9.33
